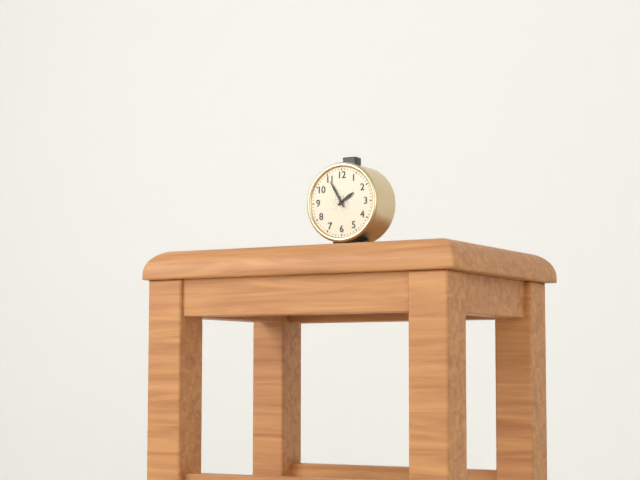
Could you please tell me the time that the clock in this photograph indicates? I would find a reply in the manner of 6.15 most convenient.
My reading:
1.55
